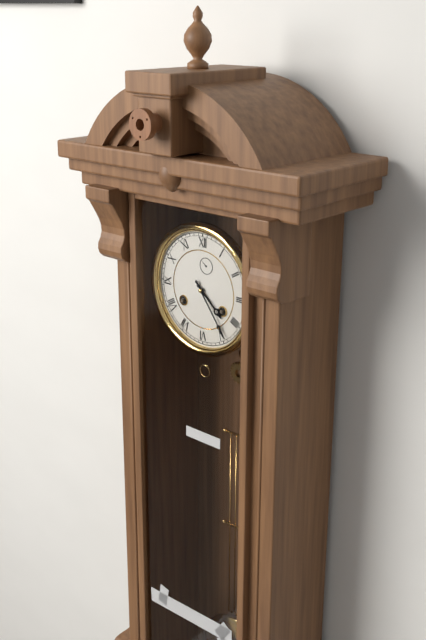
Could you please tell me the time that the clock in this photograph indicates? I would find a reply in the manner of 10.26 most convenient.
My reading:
4.24
